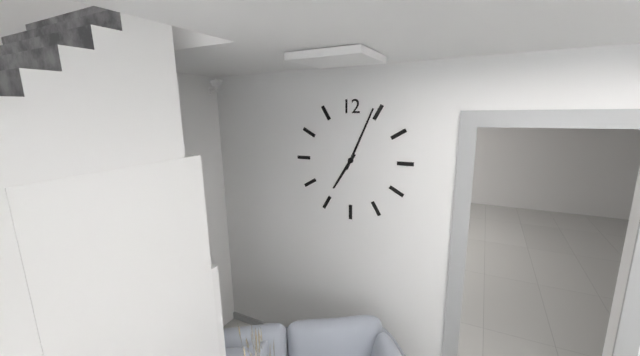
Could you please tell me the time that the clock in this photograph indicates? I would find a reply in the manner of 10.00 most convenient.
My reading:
7.04
